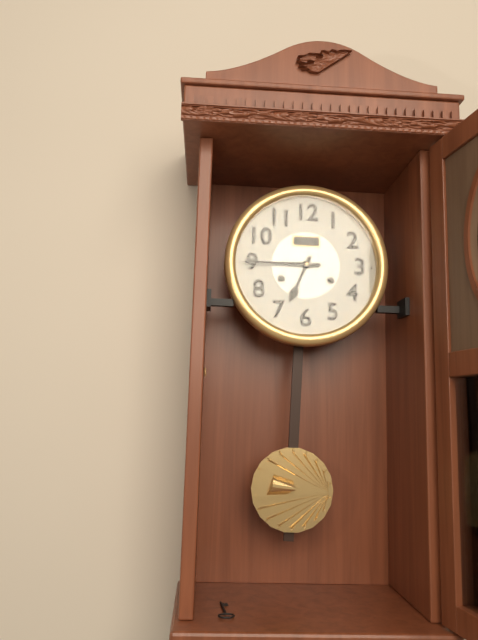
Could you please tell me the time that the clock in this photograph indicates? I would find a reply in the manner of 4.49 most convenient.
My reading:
6.45
